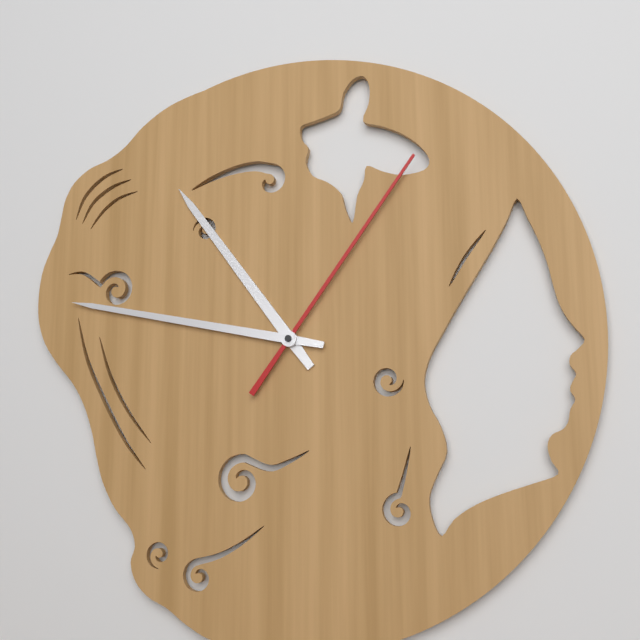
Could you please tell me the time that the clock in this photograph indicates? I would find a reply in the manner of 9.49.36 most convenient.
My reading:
10.47.06
